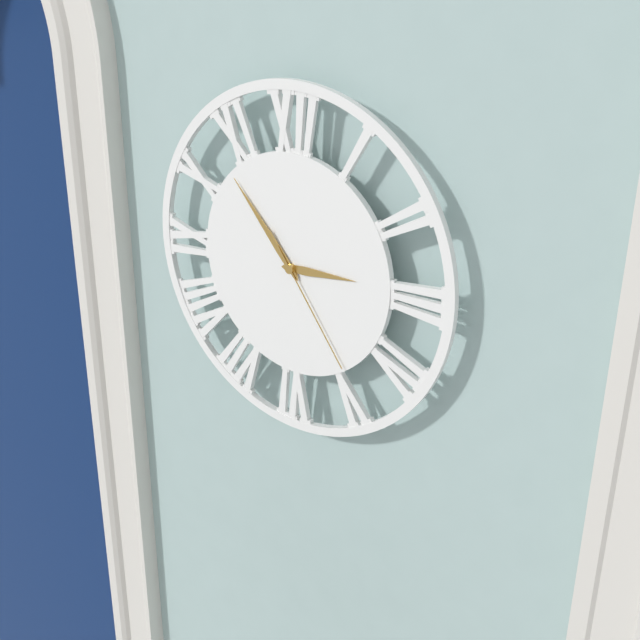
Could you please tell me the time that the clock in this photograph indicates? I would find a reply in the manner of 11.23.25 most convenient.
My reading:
2.53.24
